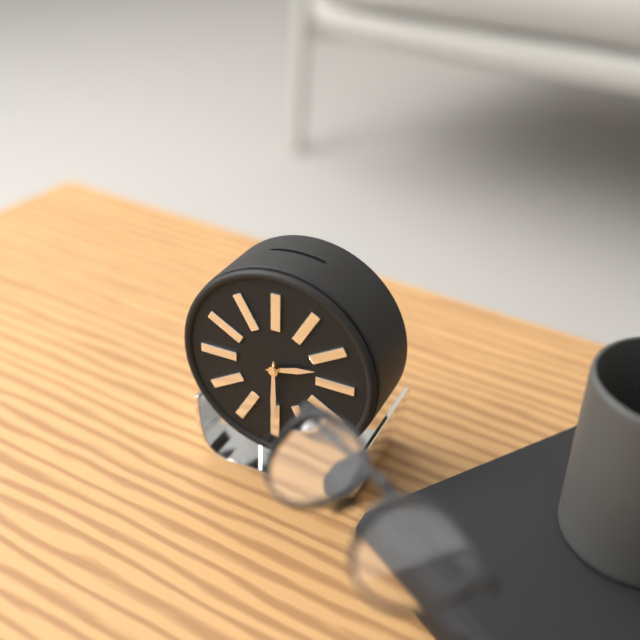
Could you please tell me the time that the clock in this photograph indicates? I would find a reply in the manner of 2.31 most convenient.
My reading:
2.30
